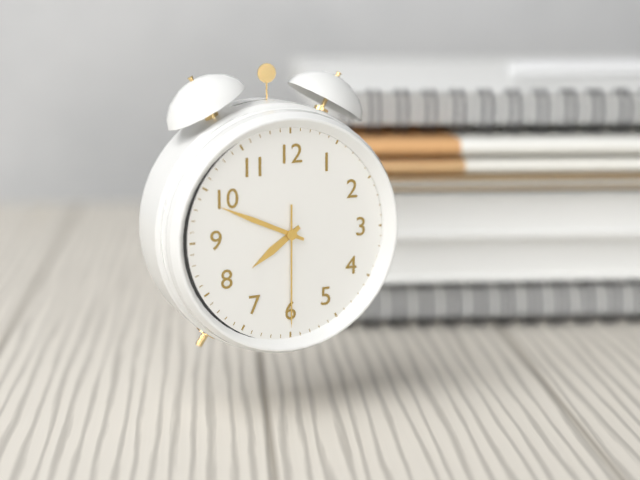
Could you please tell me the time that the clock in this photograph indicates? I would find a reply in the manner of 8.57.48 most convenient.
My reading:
7.49.30
